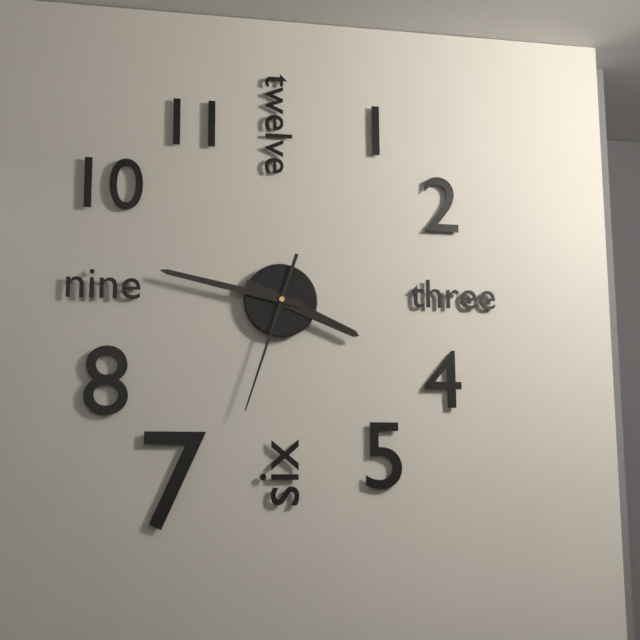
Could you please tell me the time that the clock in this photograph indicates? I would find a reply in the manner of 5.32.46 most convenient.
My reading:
3.47.33
